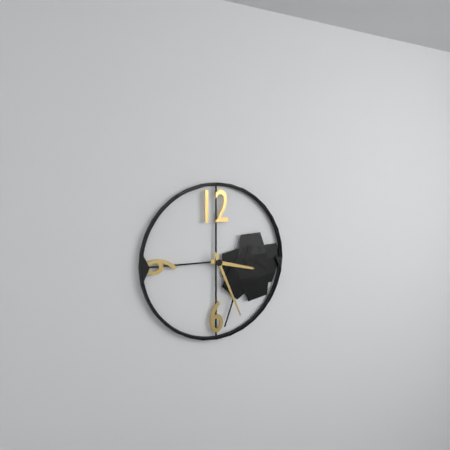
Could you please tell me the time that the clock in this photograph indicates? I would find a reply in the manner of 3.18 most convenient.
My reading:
3.26
